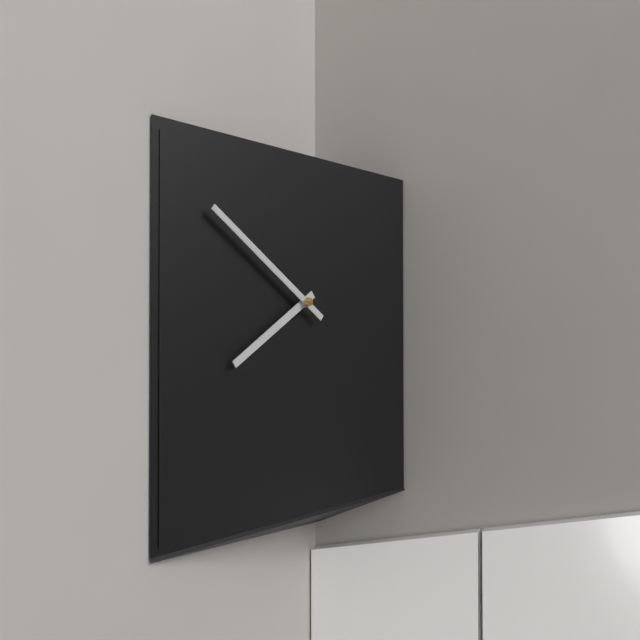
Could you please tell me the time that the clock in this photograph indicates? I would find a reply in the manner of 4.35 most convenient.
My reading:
7.51
